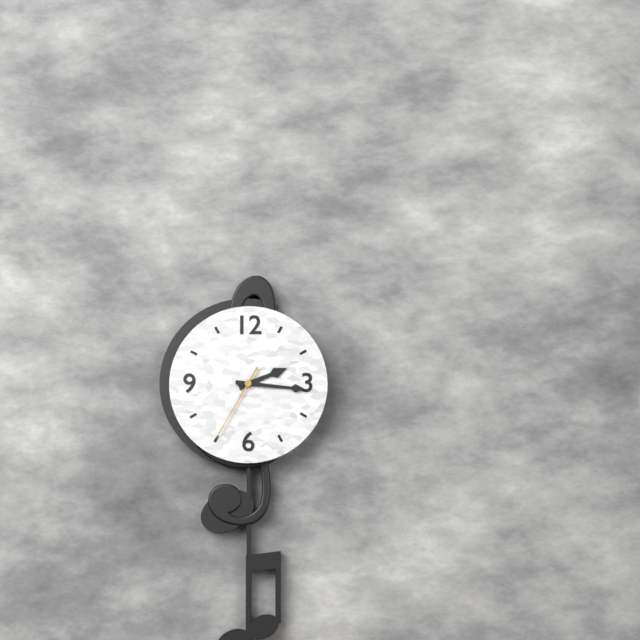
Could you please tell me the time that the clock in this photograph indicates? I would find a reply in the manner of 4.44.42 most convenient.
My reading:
2.16.35
